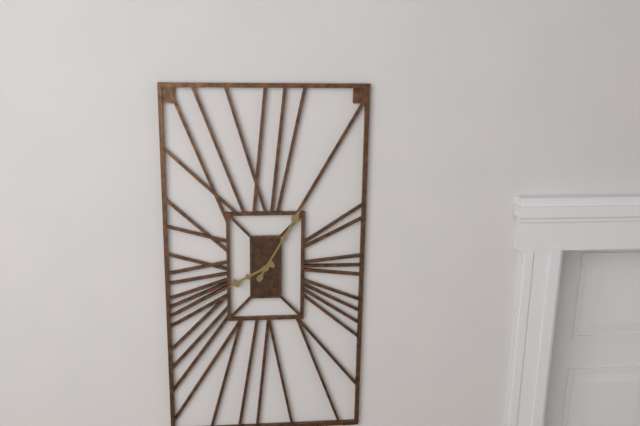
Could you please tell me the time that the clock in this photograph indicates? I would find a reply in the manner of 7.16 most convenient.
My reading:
8.05
